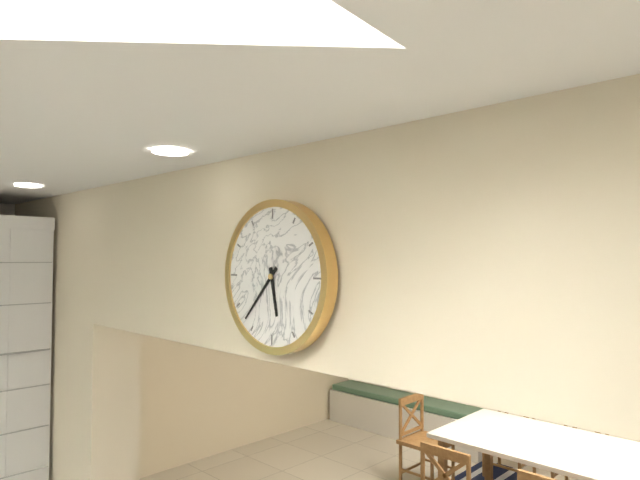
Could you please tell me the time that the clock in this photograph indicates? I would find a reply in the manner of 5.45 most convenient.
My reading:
5.37
